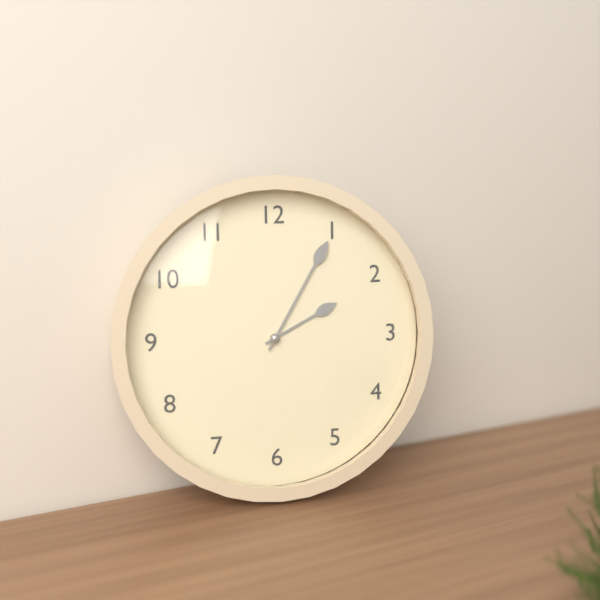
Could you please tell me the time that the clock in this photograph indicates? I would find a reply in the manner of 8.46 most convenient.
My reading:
2.05
